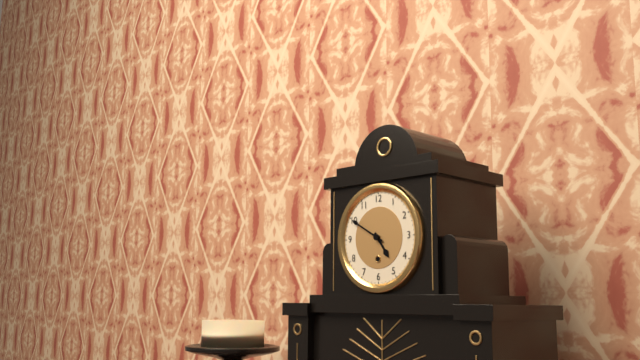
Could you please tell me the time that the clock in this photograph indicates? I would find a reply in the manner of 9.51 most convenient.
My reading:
4.50
